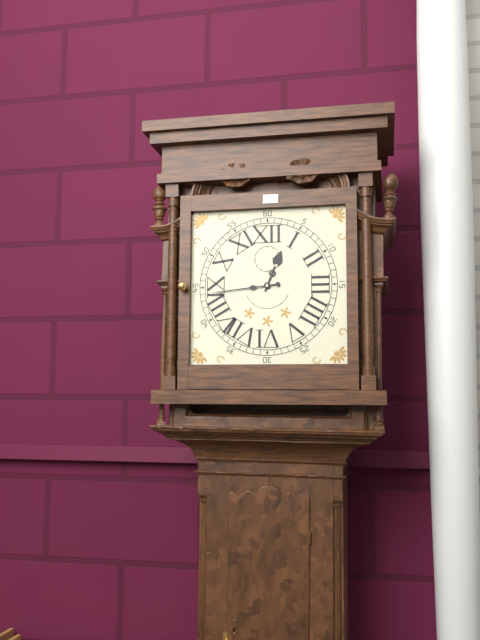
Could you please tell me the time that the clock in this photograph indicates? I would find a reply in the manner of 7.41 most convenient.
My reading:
12.44
